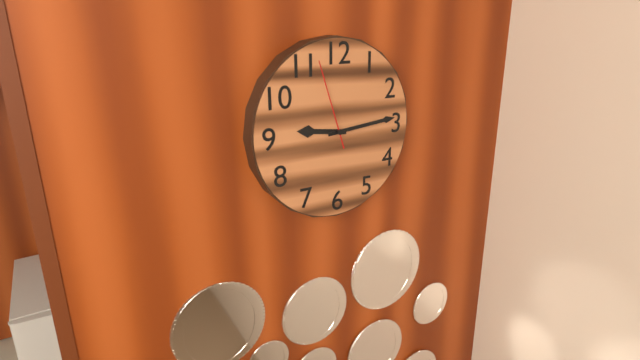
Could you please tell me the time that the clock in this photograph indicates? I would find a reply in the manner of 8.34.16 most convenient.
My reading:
9.14.57
